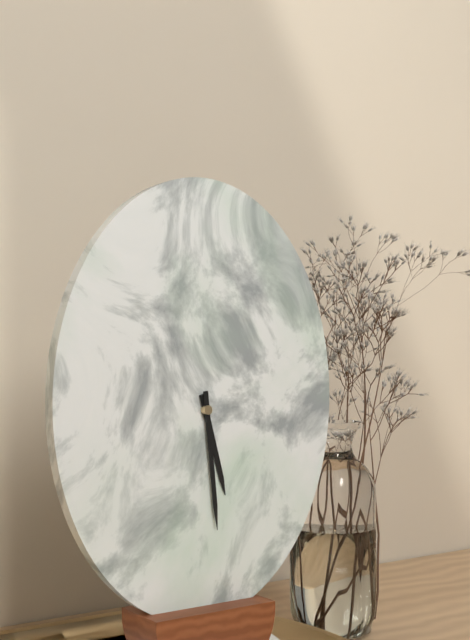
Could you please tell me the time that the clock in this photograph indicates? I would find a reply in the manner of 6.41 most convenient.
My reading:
5.29
